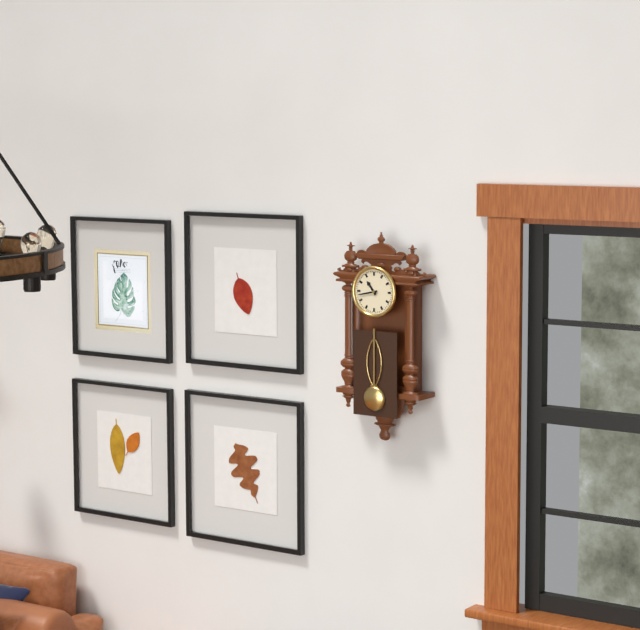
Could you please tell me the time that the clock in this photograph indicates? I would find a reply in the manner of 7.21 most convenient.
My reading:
10.43
